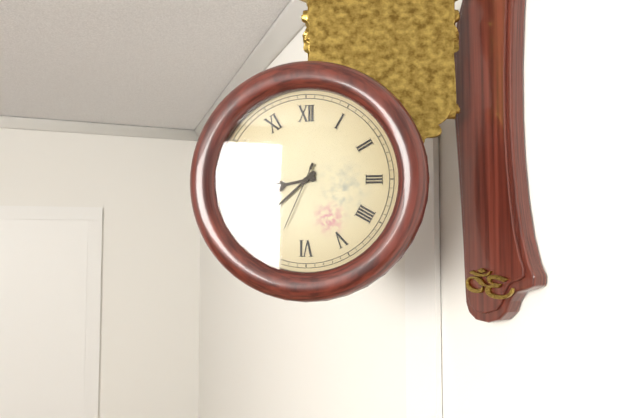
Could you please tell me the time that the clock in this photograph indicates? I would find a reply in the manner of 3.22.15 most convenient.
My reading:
8.38.34
